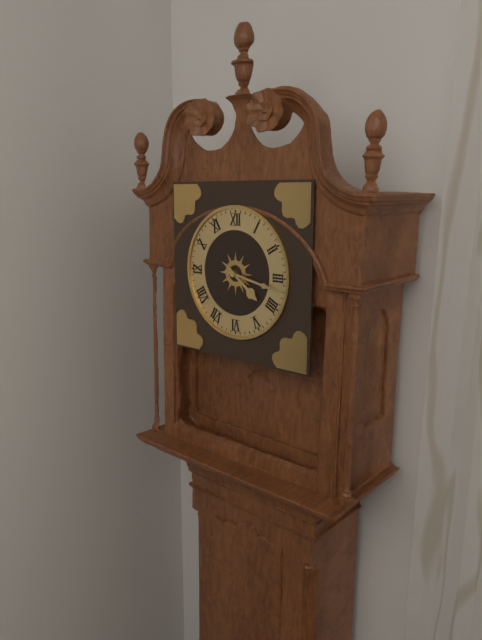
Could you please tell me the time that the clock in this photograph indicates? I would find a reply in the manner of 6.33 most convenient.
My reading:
4.17
